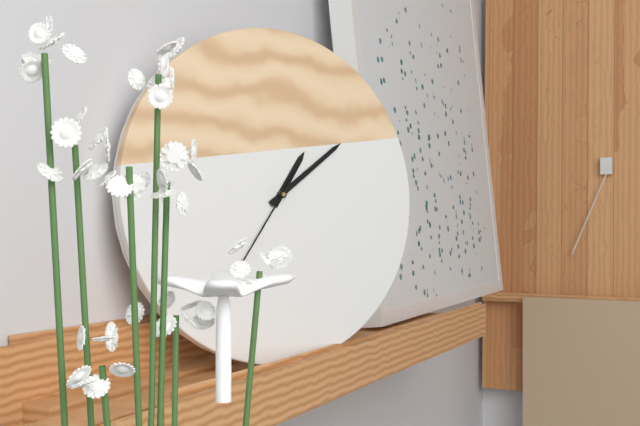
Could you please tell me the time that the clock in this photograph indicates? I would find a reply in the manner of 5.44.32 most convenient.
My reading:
1.09.36
